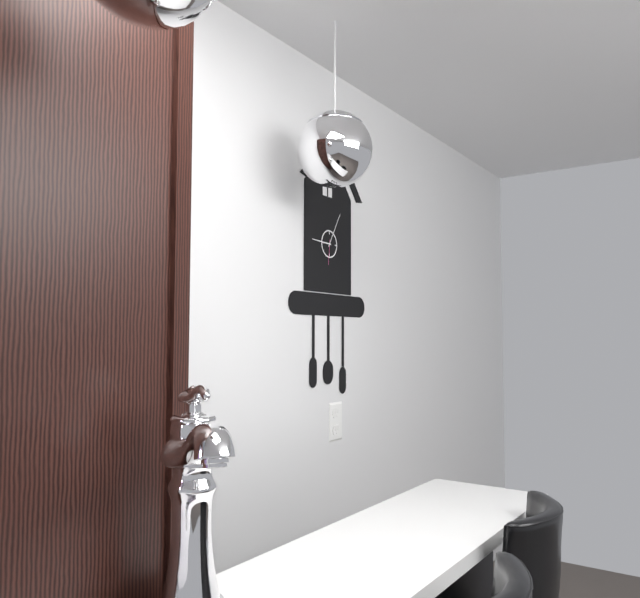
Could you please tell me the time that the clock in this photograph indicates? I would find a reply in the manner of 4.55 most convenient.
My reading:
9.05
